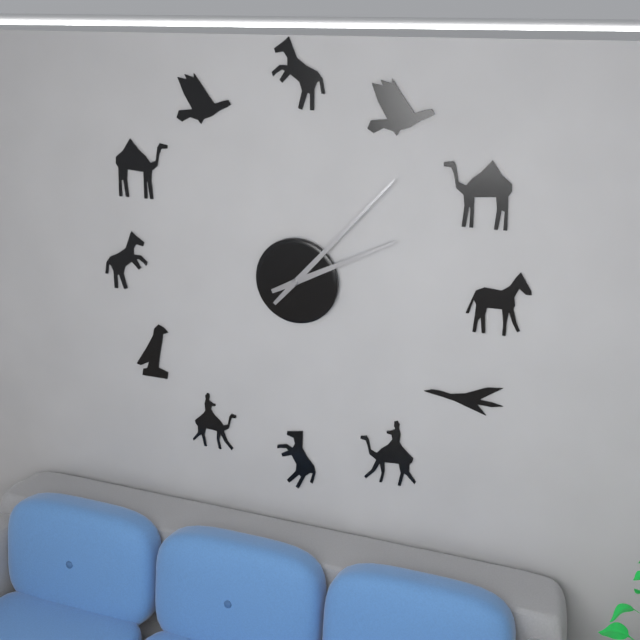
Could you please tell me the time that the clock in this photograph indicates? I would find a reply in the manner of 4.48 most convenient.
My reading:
2.07
